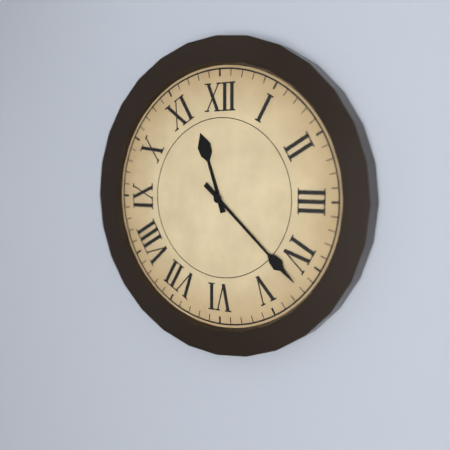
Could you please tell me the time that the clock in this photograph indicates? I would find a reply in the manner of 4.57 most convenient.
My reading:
11.22
